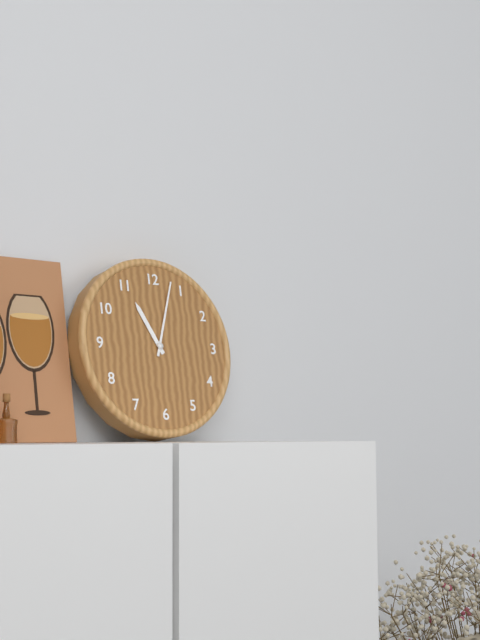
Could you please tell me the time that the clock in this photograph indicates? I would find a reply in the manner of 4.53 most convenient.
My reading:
11.03
